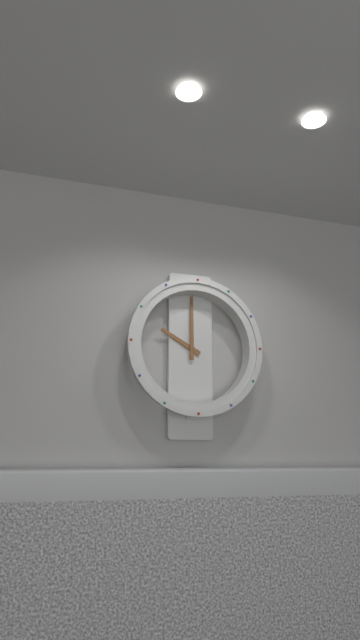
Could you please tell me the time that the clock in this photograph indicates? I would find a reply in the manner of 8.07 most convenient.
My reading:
10.00
